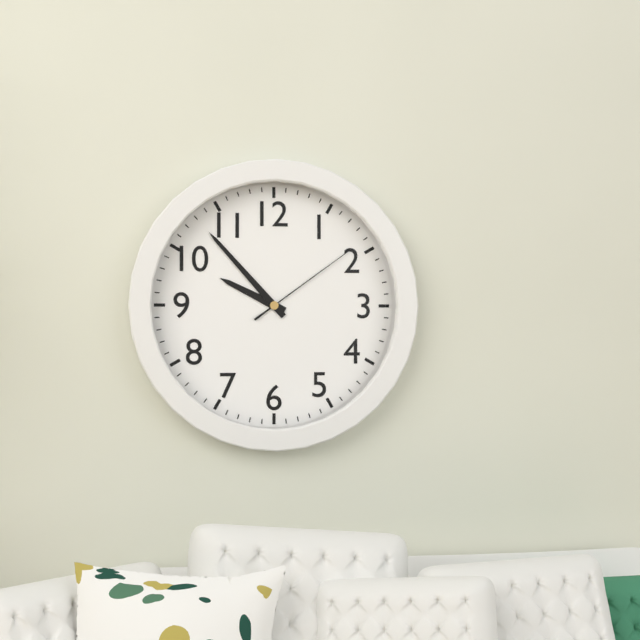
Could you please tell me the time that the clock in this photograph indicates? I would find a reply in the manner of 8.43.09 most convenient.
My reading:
9.53.09
